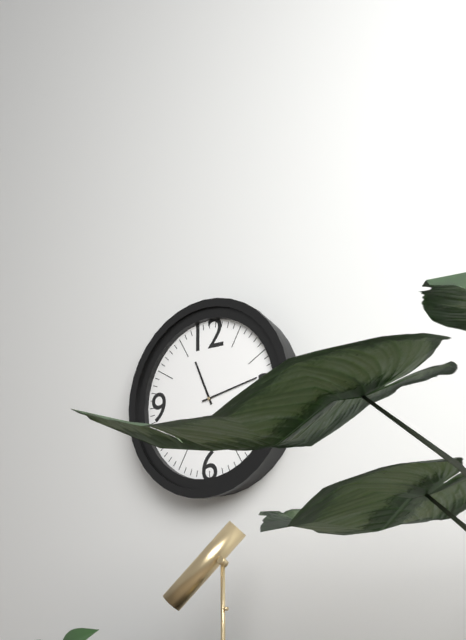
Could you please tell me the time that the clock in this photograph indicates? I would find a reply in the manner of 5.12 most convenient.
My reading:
11.13
